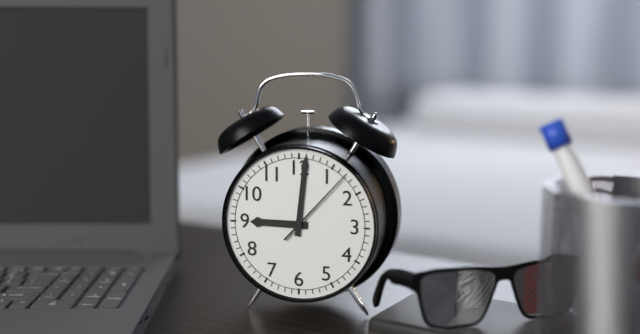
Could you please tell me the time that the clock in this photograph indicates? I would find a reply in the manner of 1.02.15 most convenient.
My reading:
9.01.07
